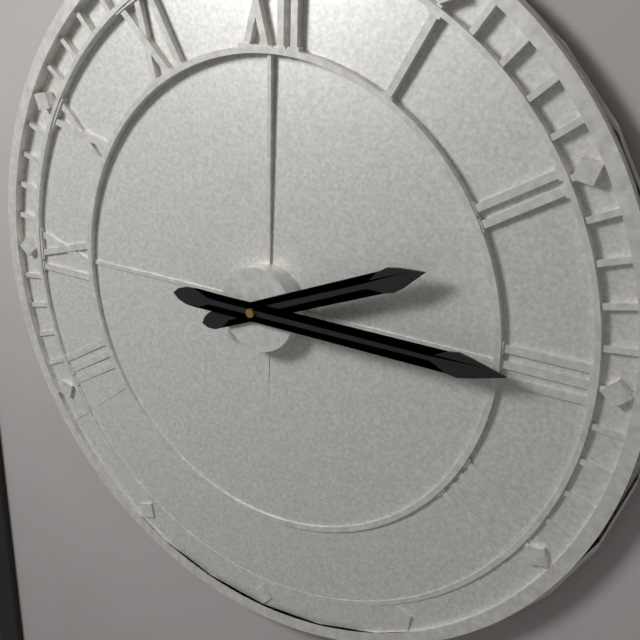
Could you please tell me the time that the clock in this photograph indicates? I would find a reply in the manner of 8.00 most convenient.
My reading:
2.15
